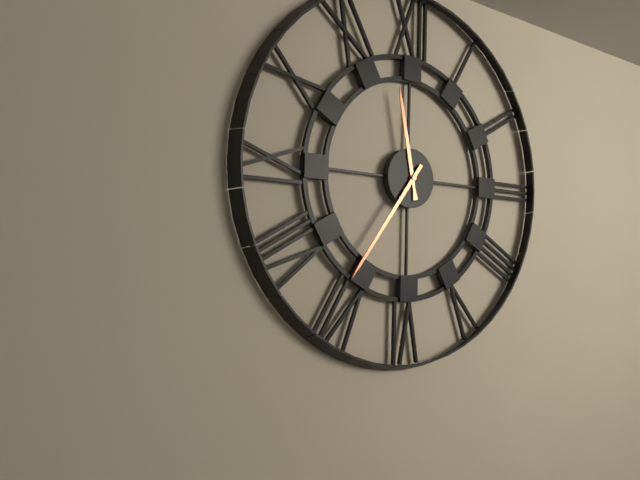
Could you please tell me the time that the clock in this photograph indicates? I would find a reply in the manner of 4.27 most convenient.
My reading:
11.36
